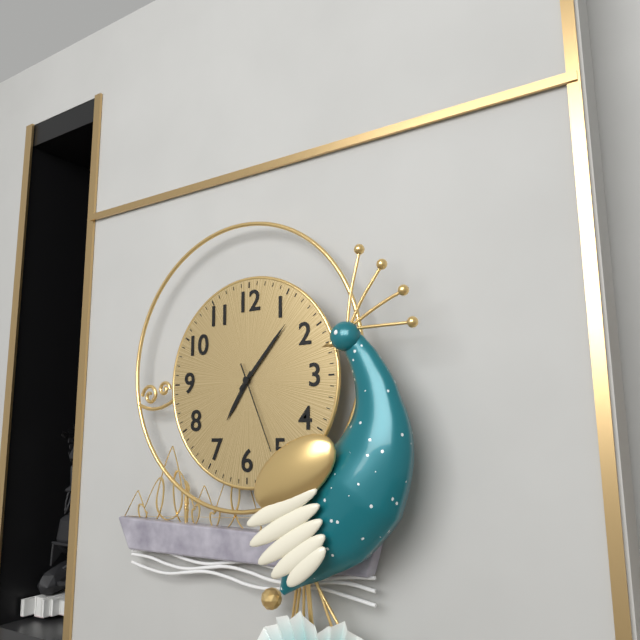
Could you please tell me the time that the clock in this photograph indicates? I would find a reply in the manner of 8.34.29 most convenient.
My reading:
7.07.26
